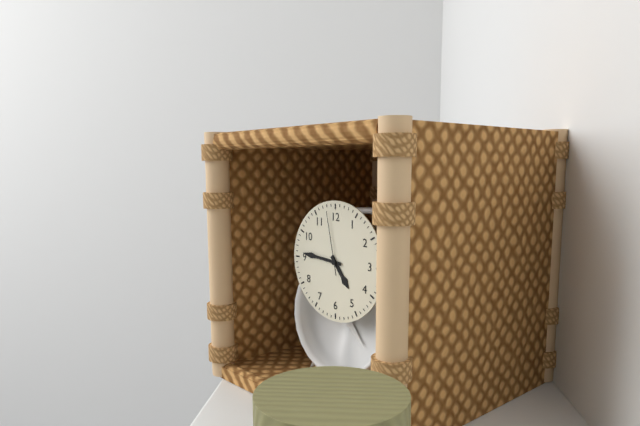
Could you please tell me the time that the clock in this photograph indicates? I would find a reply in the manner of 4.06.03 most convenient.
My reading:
4.46.58
